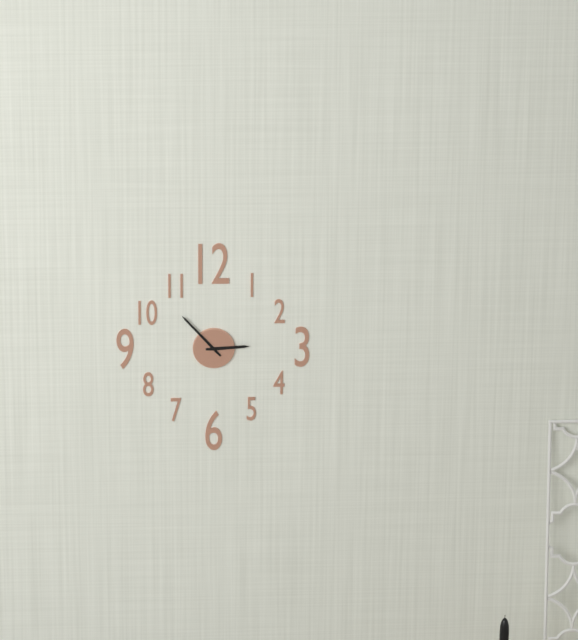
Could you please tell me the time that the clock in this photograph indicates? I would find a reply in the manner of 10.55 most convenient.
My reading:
2.53
